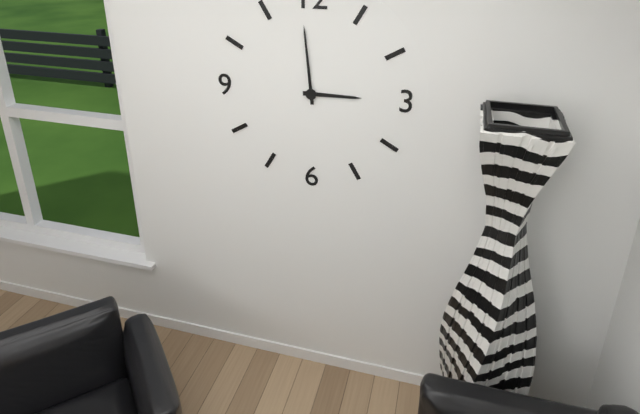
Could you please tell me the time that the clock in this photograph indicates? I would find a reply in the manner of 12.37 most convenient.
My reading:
2.59
